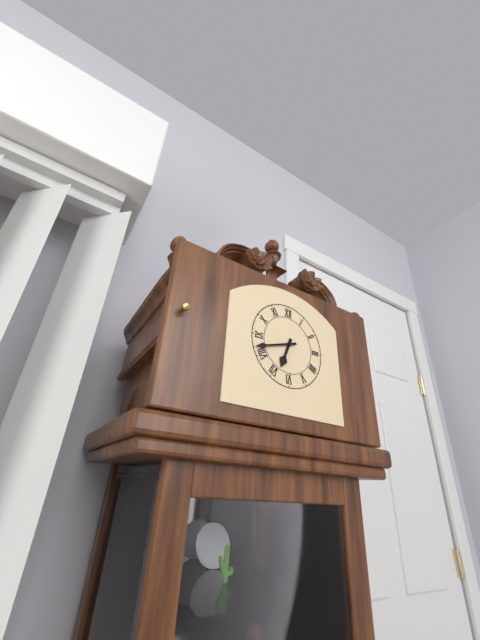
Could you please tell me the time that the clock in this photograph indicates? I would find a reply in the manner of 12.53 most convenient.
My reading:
6.42
